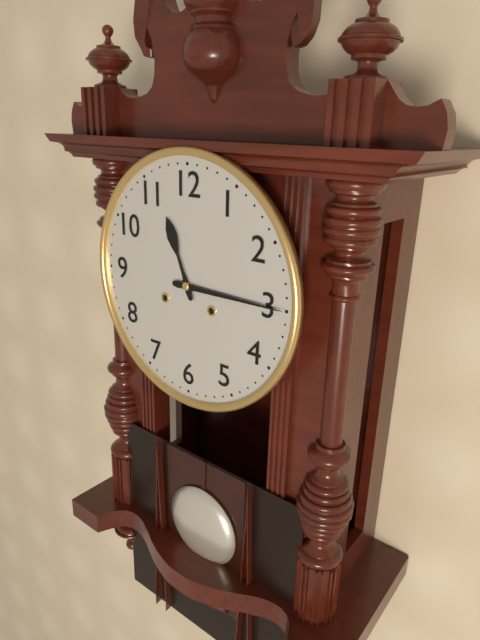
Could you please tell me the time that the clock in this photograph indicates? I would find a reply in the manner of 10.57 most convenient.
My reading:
11.15
